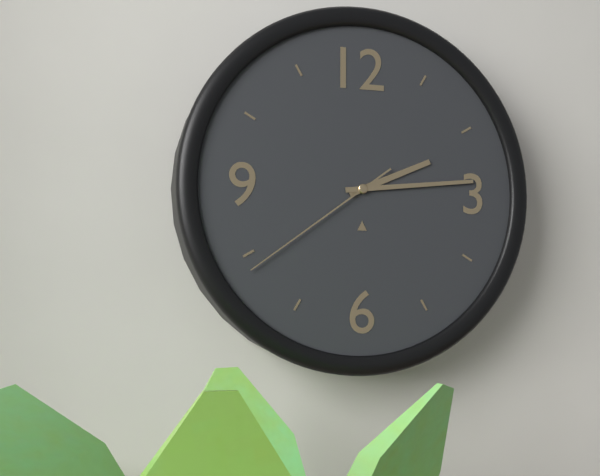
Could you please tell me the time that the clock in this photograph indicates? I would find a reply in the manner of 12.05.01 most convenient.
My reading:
2.14.39
